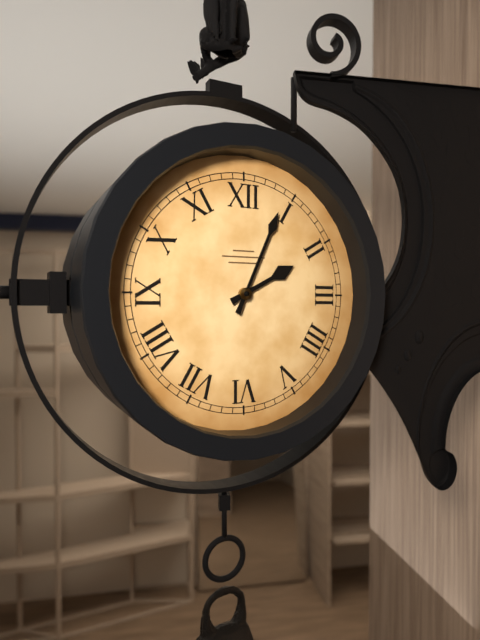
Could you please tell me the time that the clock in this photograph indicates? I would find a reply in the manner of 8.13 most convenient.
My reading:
2.04
